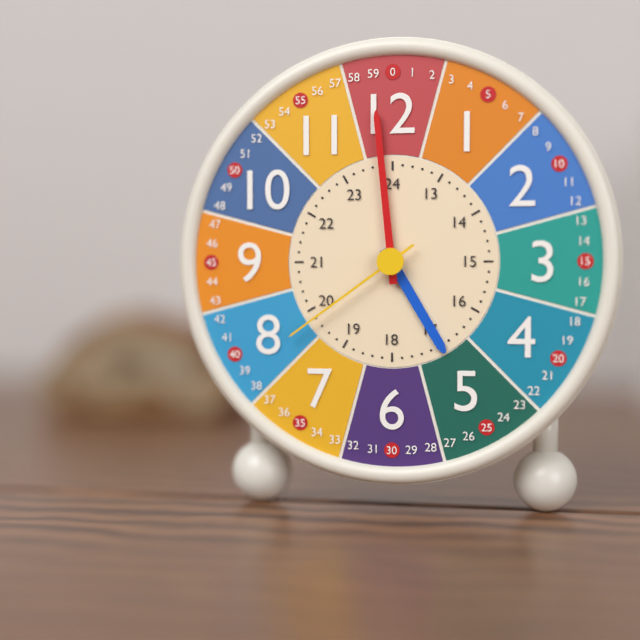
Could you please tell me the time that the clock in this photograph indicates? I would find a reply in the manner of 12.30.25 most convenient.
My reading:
4.59.39
